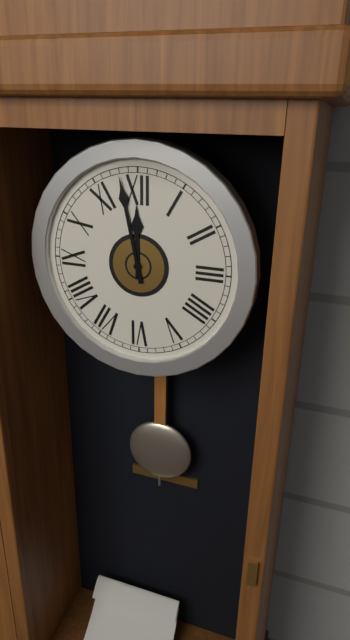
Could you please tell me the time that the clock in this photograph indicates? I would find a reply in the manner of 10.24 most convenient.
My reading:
11.58
